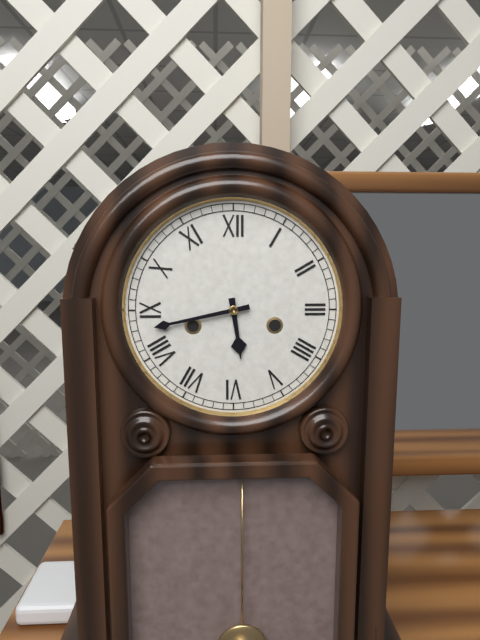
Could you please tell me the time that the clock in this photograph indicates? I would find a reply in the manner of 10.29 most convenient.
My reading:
5.43
